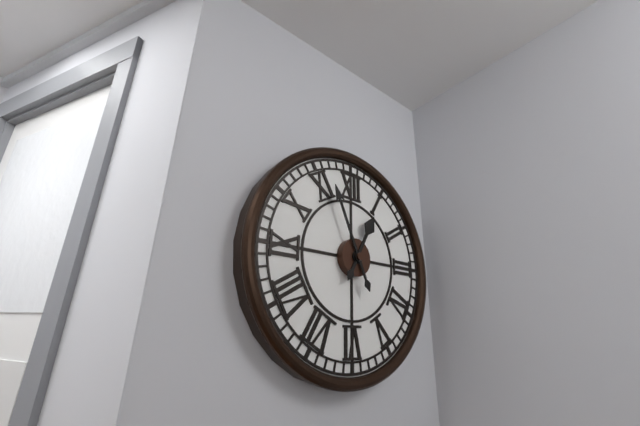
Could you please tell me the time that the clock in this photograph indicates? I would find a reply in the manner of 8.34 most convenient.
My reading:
12.56
